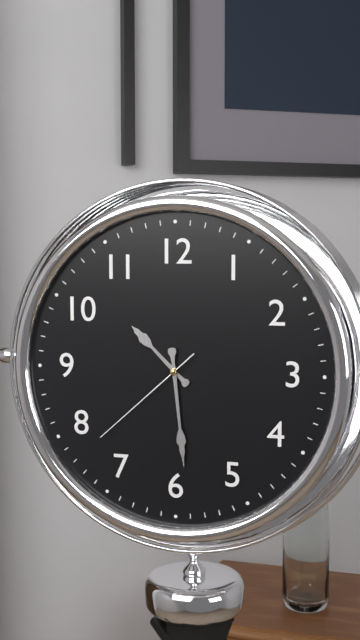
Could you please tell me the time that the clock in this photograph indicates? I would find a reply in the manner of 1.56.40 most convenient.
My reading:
10.29.38
